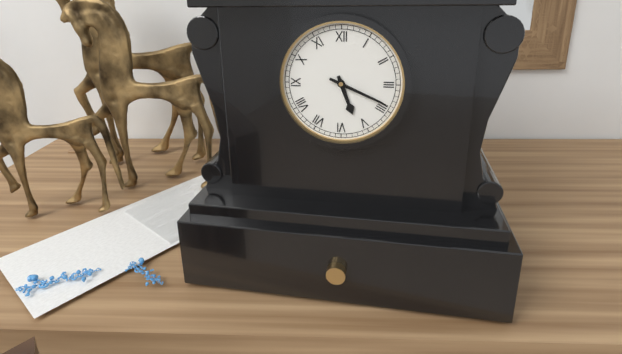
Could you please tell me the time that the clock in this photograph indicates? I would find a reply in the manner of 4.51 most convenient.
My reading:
5.19
